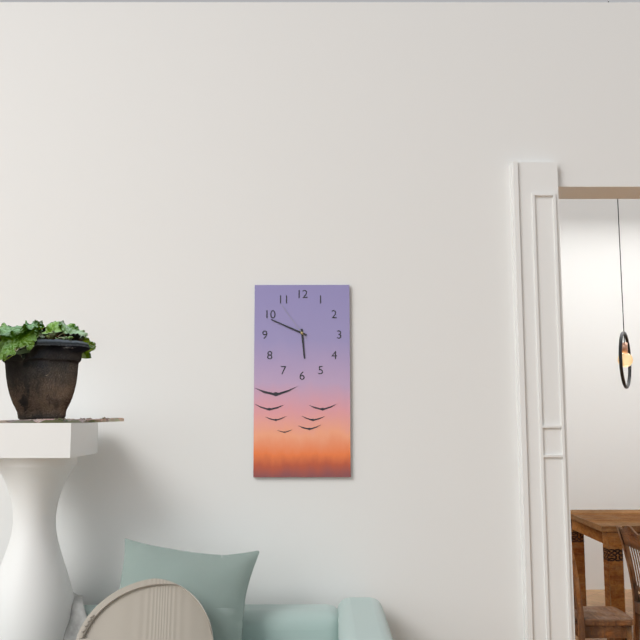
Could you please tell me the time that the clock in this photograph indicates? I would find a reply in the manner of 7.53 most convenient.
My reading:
5.49
